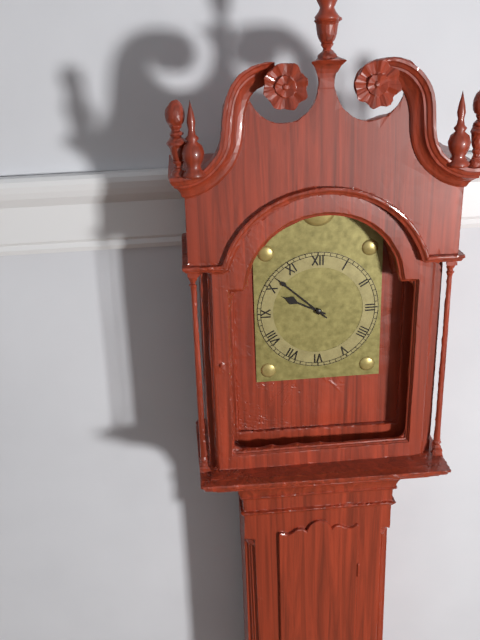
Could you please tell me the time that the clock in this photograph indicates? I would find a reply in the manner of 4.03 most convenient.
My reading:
9.52
